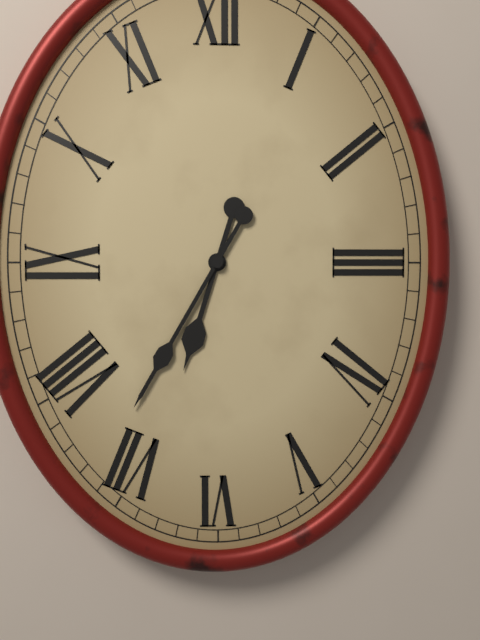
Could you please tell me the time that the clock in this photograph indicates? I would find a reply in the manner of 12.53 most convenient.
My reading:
6.35
